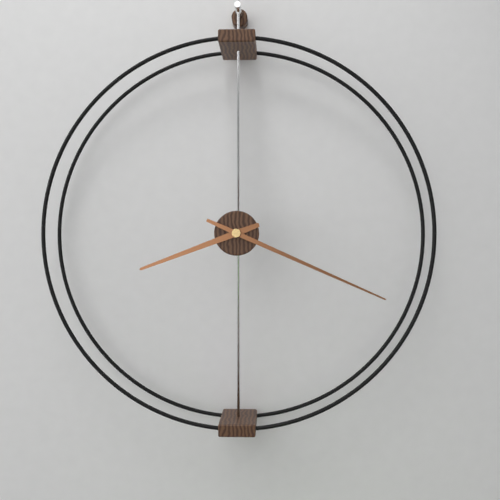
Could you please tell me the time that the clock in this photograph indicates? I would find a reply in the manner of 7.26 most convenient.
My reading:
8.19
